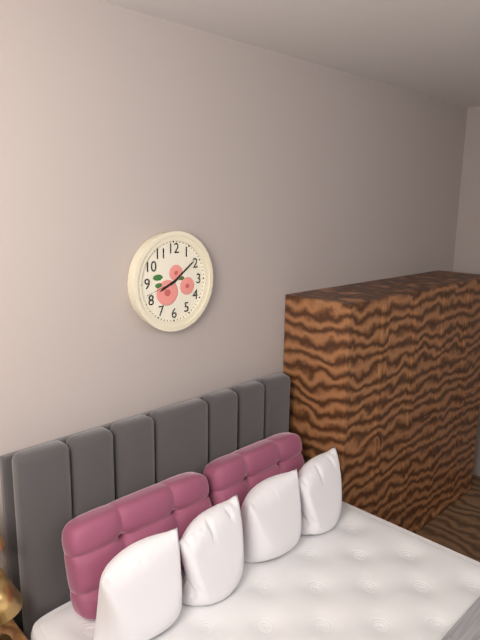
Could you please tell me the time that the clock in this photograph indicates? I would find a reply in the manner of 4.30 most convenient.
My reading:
8.09
